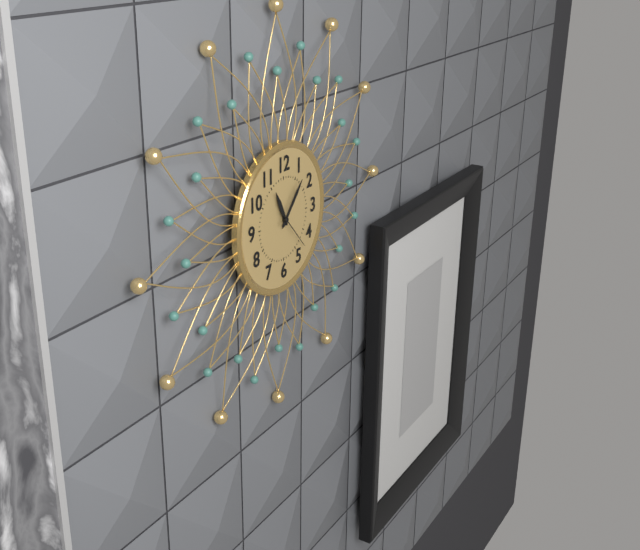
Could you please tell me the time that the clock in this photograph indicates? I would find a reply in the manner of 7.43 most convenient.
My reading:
11.07
